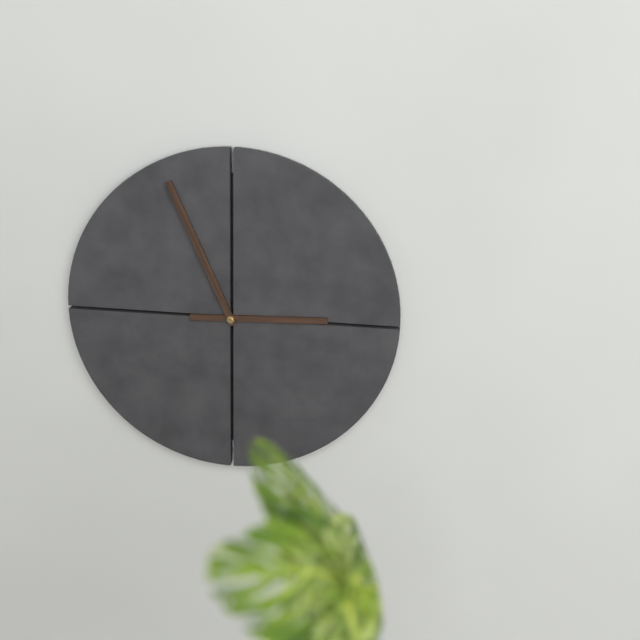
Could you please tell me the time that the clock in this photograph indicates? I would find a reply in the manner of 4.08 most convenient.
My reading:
2.56
